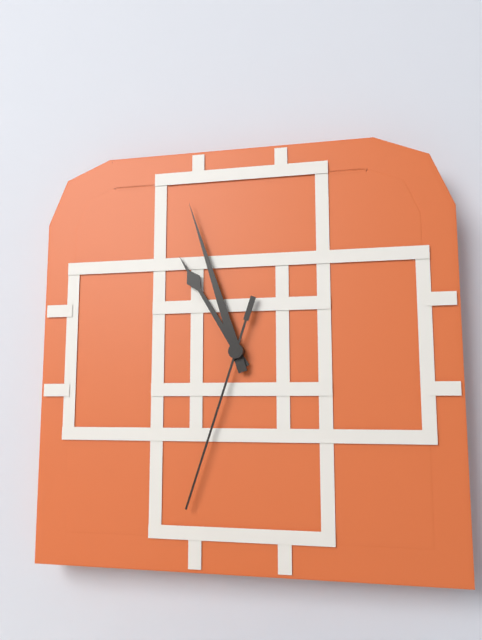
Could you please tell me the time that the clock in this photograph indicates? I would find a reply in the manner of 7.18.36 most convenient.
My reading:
10.57.33
